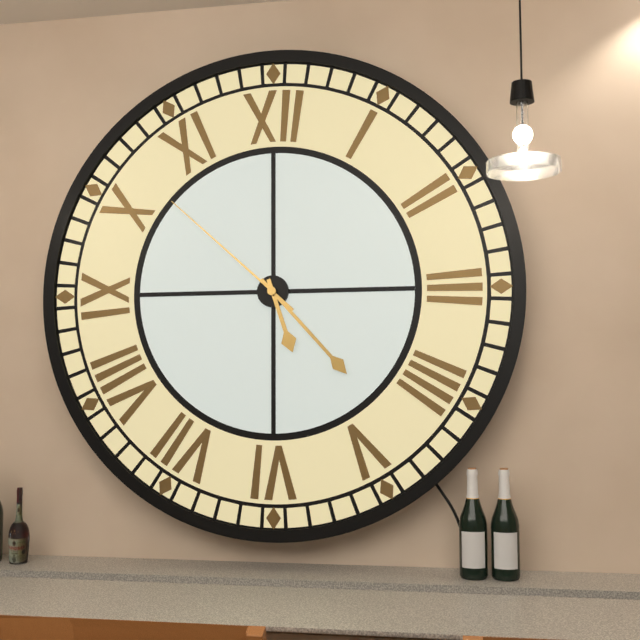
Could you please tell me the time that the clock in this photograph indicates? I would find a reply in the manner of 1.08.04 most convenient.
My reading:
5.23.52
